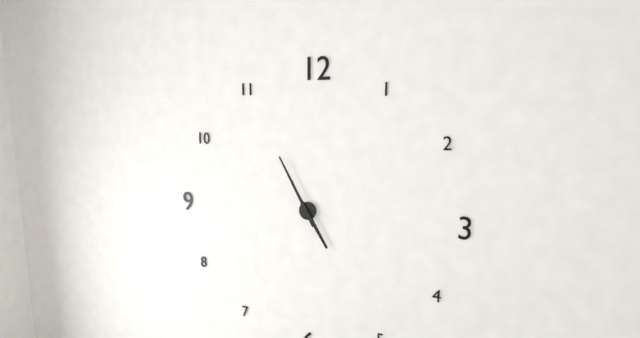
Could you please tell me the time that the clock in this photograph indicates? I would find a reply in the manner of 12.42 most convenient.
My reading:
4.55
